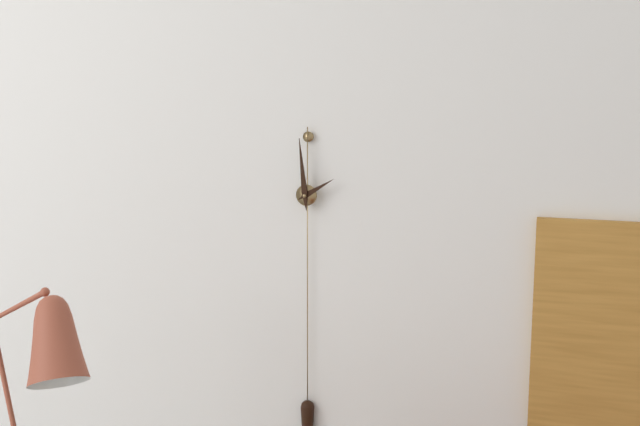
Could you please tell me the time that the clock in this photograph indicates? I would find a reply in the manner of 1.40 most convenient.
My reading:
1.59
